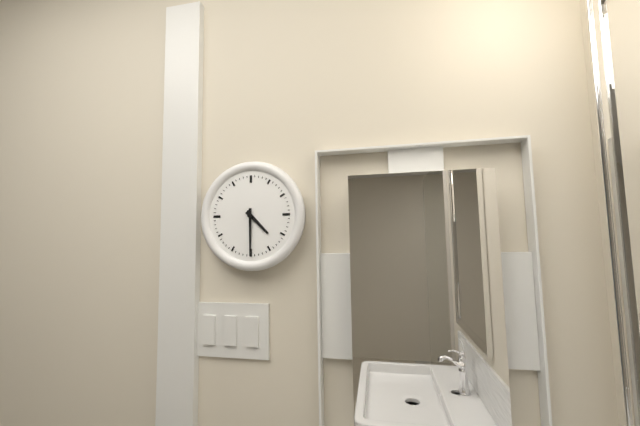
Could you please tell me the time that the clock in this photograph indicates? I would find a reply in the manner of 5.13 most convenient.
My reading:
4.30
